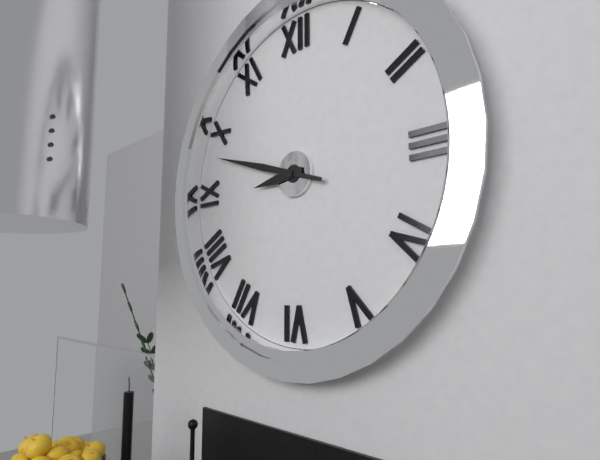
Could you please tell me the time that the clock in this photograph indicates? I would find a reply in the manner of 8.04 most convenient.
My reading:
8.48
